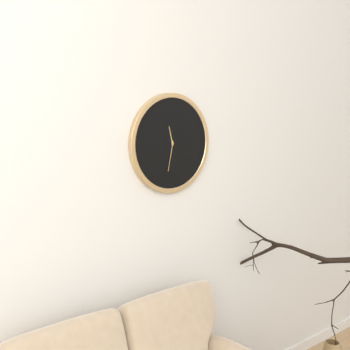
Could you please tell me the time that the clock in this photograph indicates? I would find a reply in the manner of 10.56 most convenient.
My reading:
11.32
